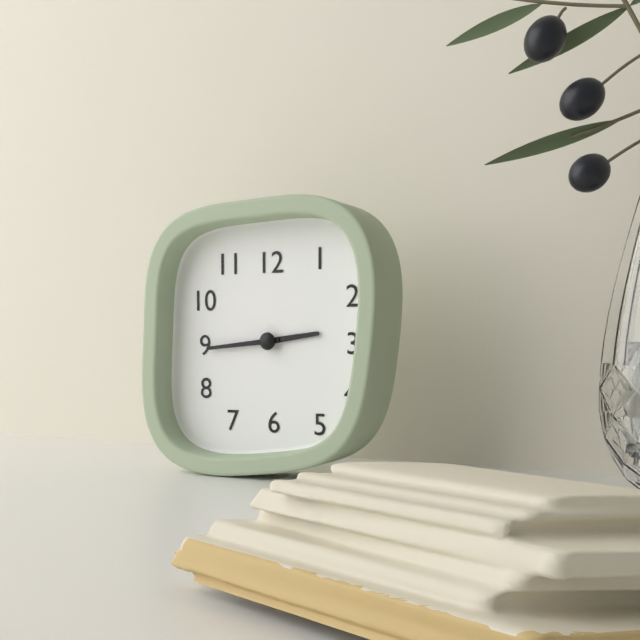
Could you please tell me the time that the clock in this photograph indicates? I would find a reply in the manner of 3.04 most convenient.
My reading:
2.44
